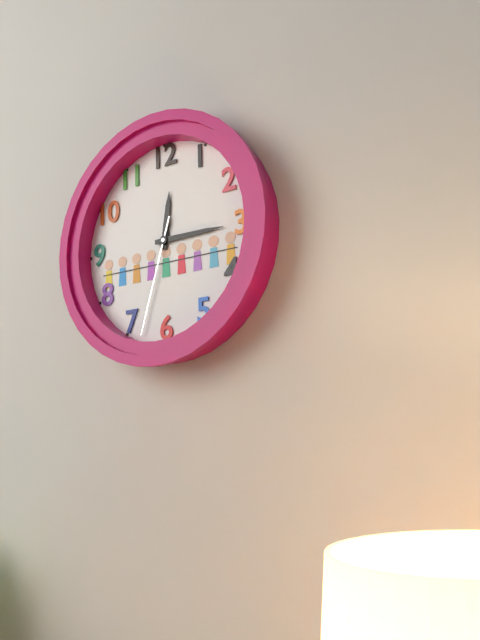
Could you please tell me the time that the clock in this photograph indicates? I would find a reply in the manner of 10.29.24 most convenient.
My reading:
12.15.33
